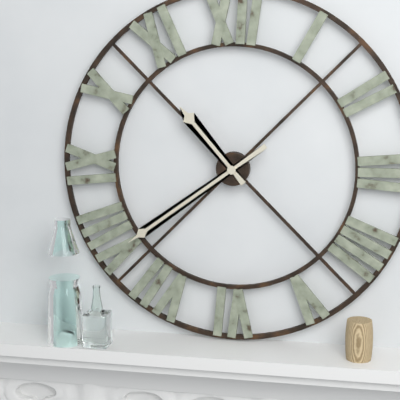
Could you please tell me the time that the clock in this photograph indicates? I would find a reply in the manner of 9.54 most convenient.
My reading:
10.39
